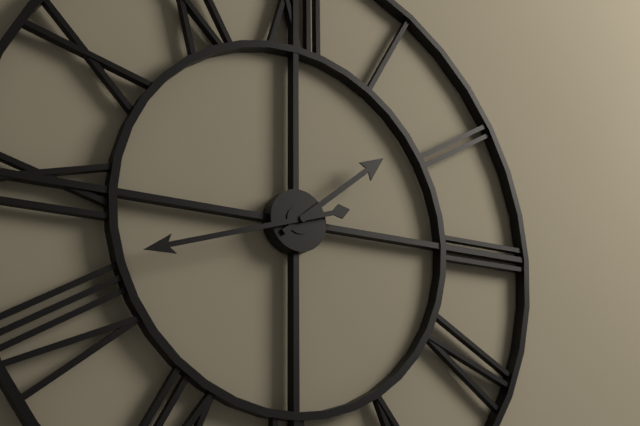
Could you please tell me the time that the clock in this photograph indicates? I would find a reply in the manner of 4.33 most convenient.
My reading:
1.42
